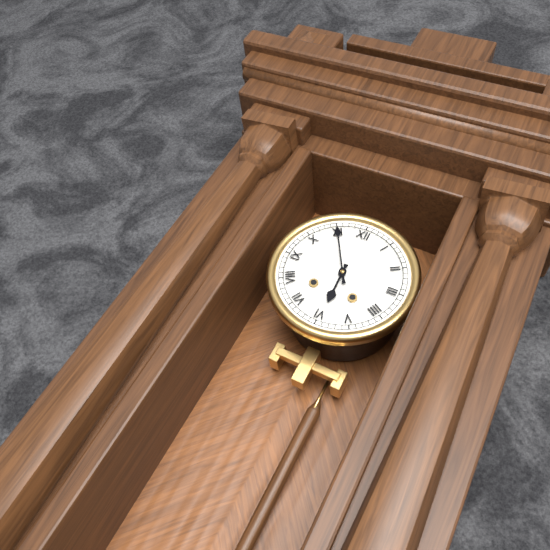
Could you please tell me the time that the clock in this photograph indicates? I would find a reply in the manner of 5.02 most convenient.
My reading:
5.55
